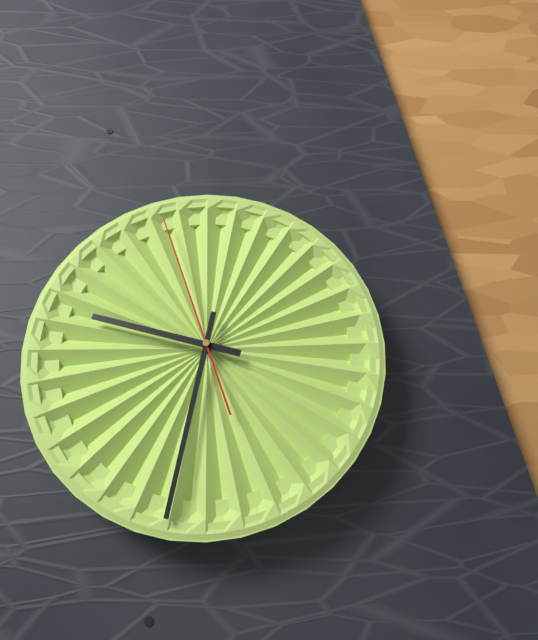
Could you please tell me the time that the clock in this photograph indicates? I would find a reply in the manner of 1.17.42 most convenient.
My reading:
9.32.57
